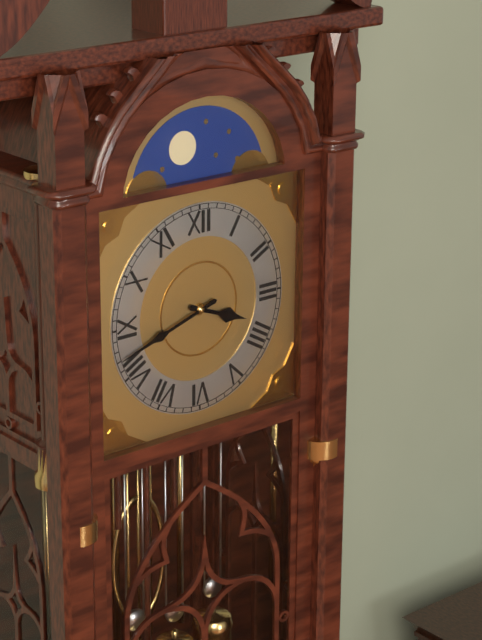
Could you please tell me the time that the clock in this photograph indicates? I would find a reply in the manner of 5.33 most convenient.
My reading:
3.42
